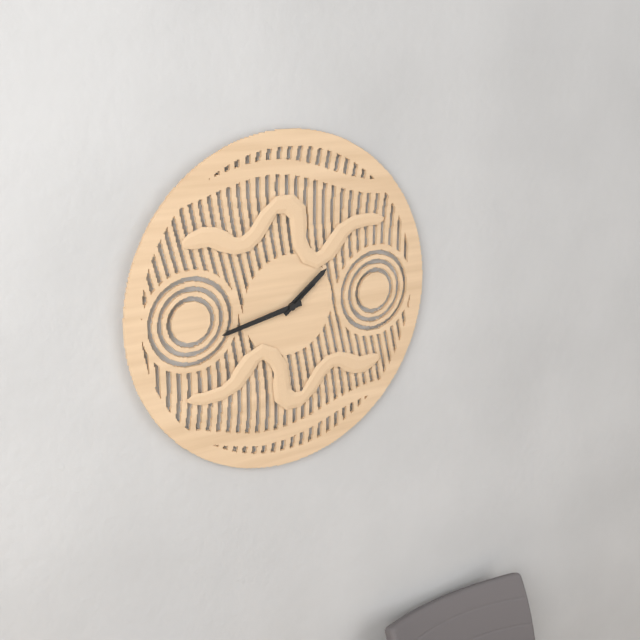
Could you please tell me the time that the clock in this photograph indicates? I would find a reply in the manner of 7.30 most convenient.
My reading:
1.43
